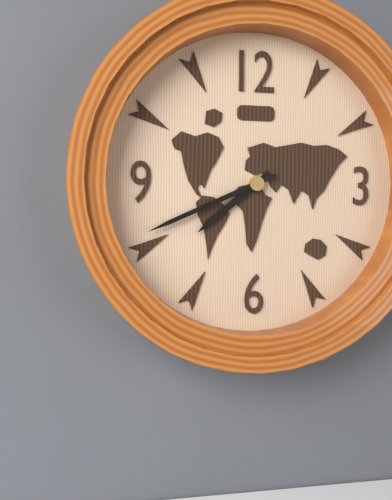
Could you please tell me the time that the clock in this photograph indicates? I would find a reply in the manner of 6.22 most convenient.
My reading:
7.41
